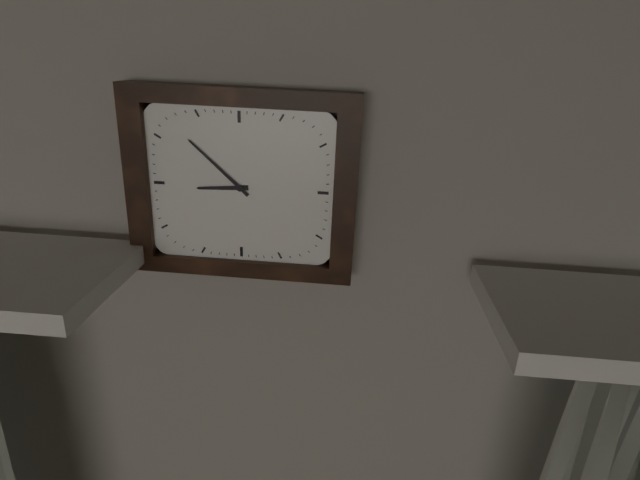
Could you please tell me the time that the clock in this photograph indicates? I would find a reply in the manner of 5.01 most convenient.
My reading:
8.52
